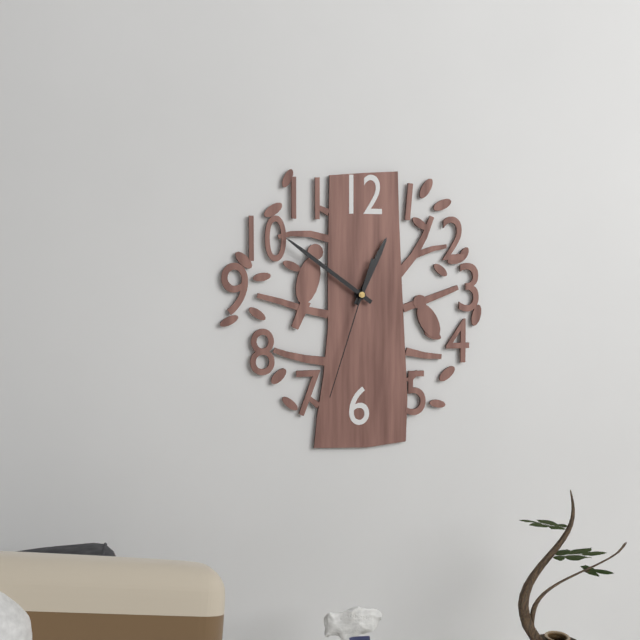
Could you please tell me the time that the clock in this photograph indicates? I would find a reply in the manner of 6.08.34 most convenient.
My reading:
12.51.33
